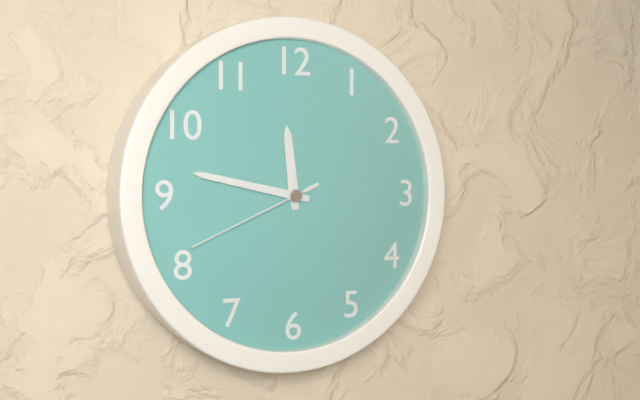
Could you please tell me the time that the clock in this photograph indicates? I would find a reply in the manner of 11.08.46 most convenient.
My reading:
11.47.41
